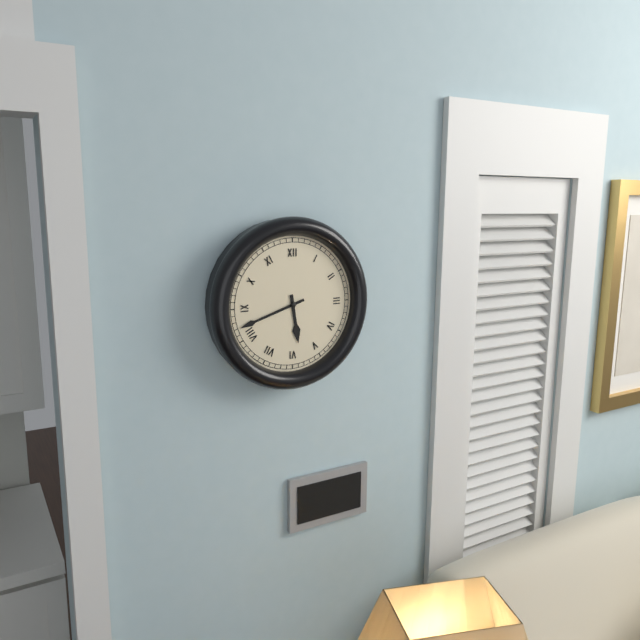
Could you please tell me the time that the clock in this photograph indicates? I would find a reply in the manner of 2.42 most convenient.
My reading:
5.42
